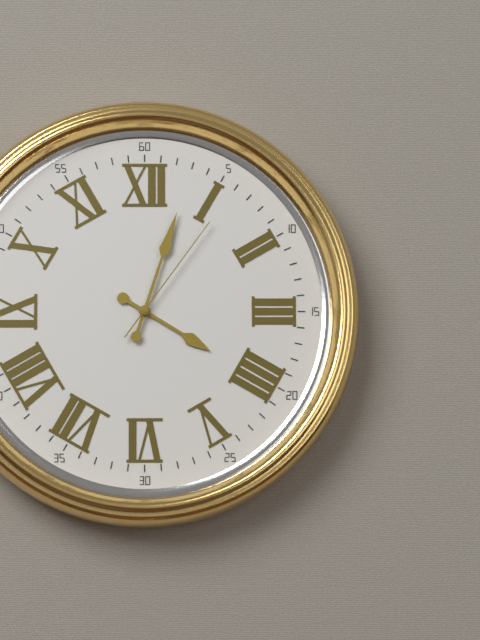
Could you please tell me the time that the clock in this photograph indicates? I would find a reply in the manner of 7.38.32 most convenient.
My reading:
4.03.06
